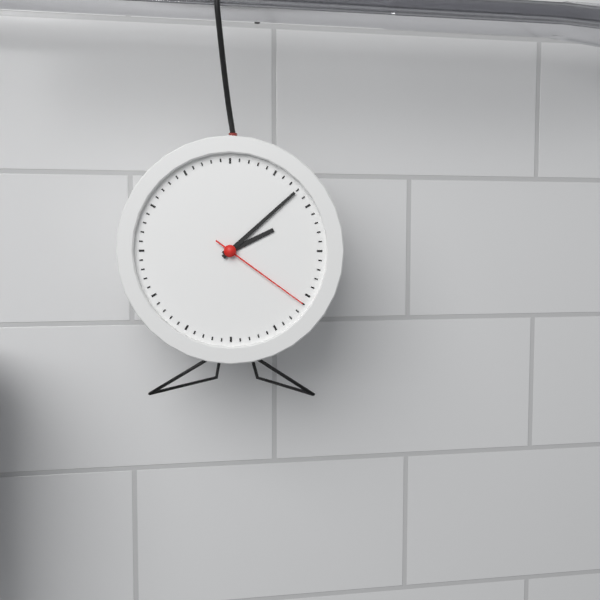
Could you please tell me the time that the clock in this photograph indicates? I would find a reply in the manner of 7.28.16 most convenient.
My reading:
2.08.21
